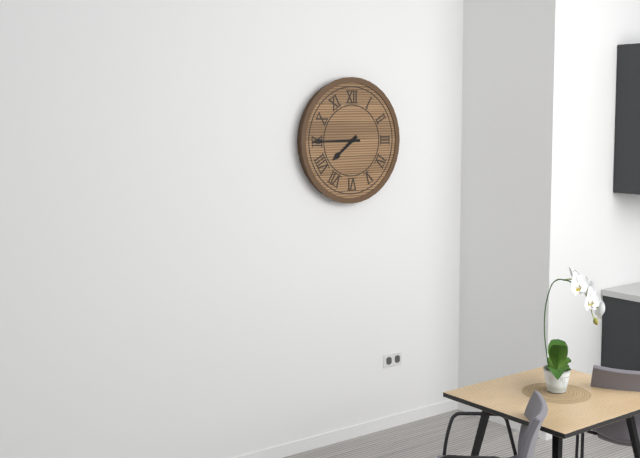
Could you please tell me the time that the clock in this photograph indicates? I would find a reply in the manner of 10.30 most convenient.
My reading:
7.45
